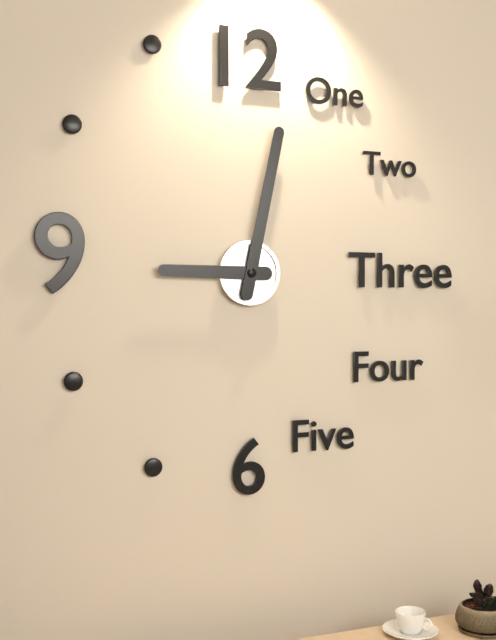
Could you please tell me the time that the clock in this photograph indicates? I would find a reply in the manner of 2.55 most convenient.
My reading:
9.02
